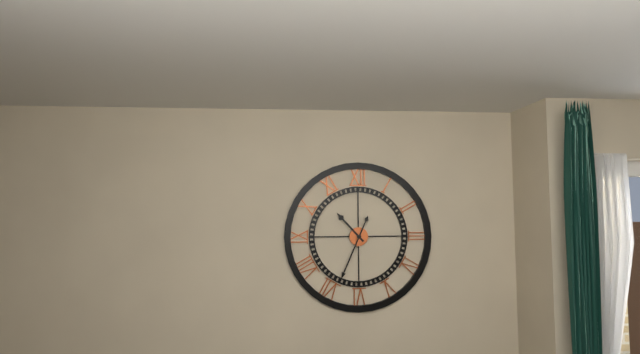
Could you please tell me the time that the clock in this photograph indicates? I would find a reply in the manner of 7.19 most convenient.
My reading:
10.34
